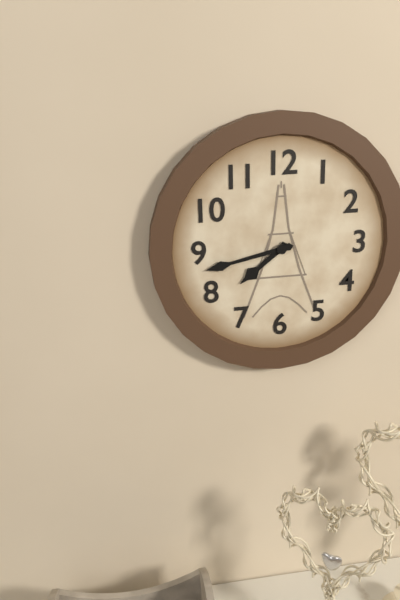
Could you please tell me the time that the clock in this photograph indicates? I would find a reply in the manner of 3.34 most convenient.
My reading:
7.43
